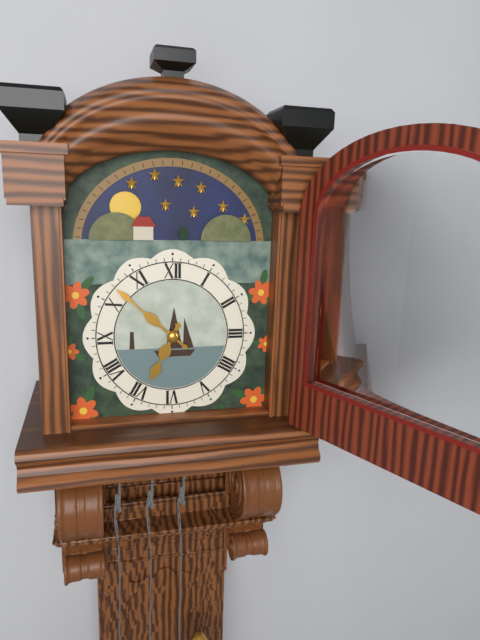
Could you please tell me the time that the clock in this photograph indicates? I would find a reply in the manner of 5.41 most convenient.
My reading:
6.52
